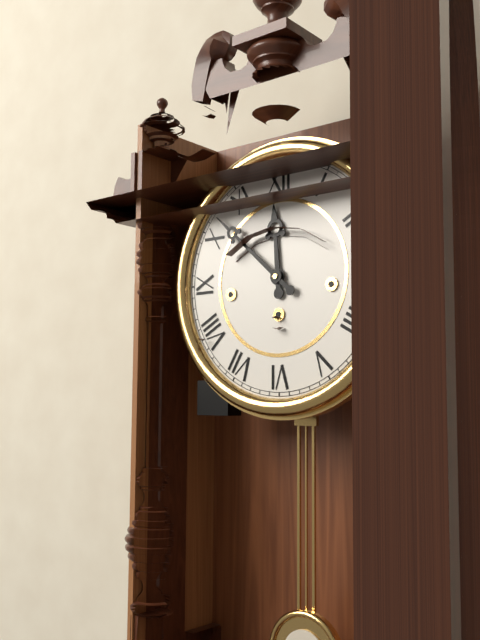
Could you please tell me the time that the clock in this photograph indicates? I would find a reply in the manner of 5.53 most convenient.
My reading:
11.52
